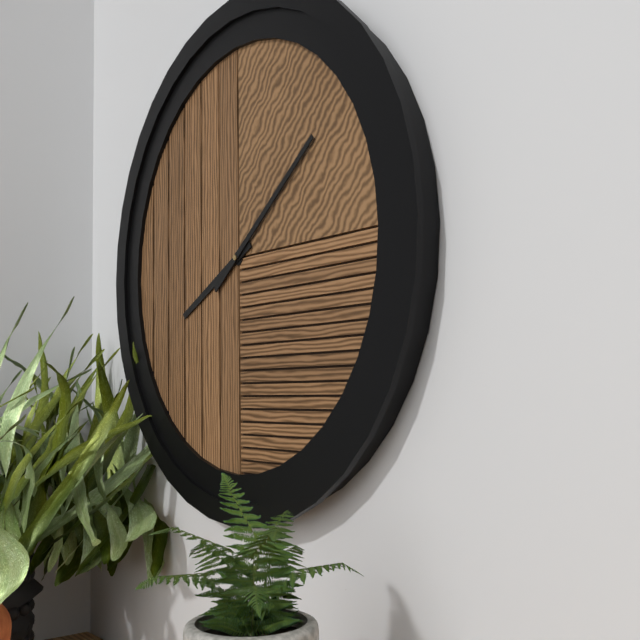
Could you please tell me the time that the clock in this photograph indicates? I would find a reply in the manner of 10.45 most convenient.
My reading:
8.09
